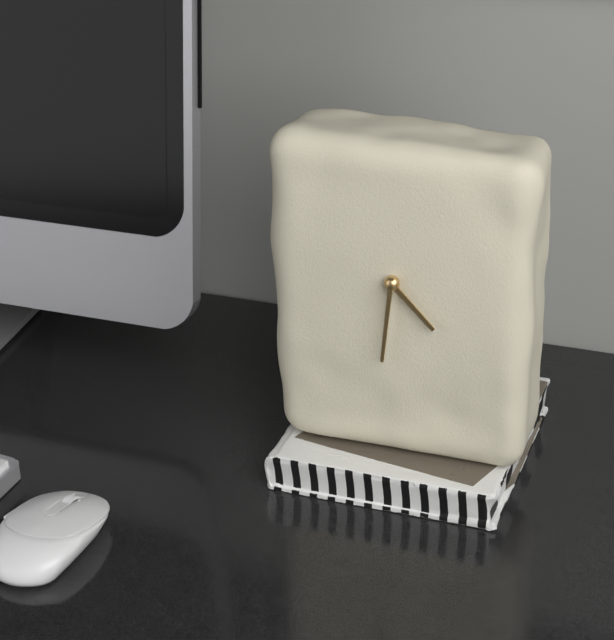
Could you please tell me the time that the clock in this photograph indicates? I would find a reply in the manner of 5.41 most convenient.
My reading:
4.31
